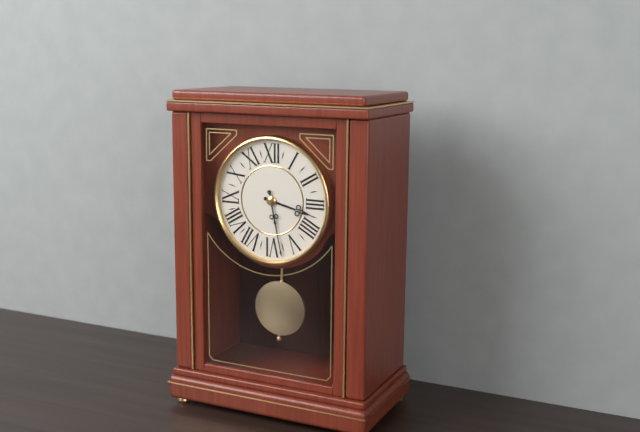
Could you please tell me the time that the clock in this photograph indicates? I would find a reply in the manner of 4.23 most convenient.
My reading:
3.28
